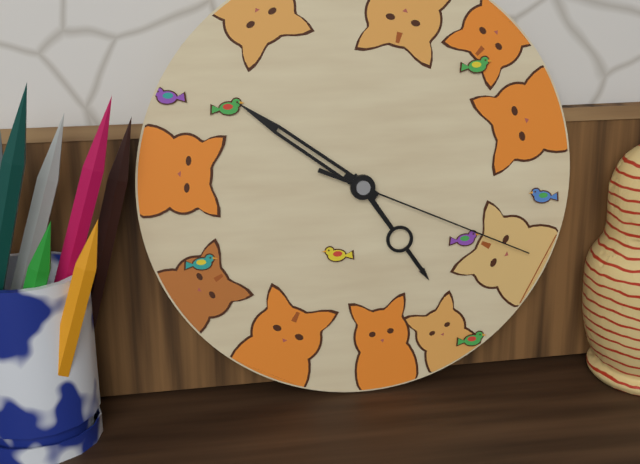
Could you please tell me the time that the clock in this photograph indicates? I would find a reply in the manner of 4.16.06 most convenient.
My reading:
4.51.19
